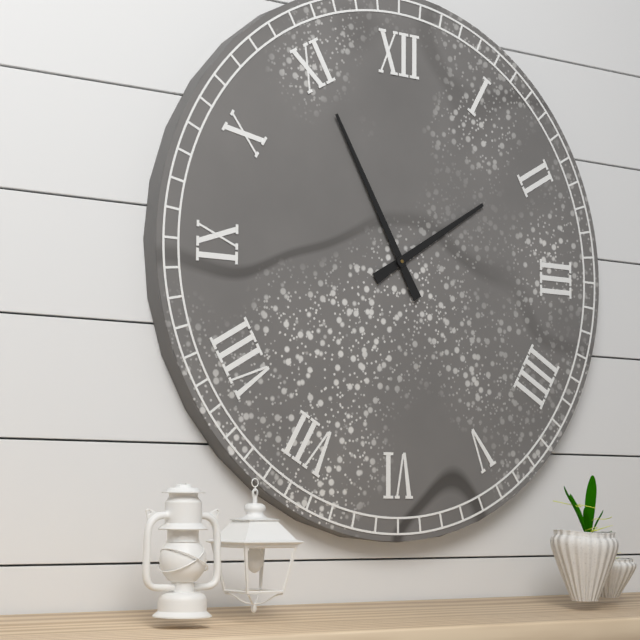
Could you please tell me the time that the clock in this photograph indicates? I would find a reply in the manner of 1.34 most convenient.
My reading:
1.55
